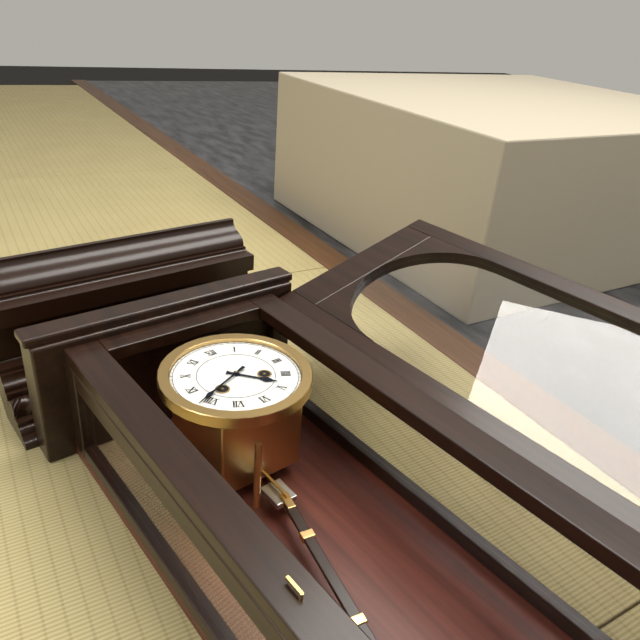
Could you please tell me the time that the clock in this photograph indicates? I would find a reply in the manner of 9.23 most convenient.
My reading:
4.41
